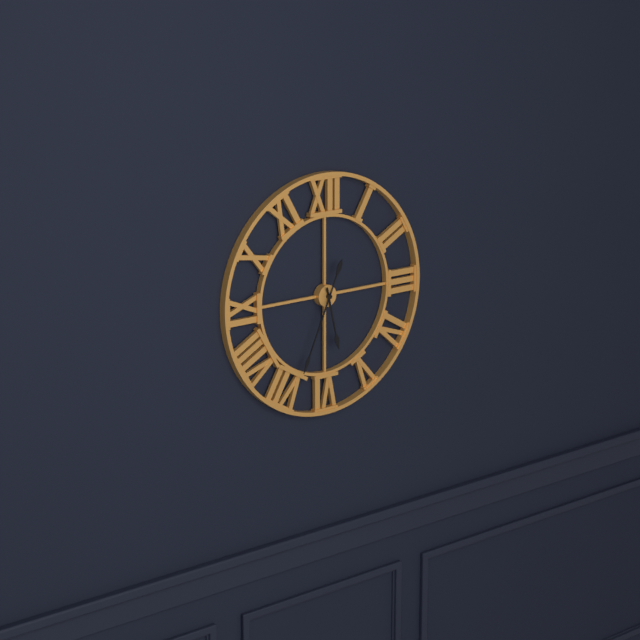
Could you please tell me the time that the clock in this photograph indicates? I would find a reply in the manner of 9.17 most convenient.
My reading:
5.34
